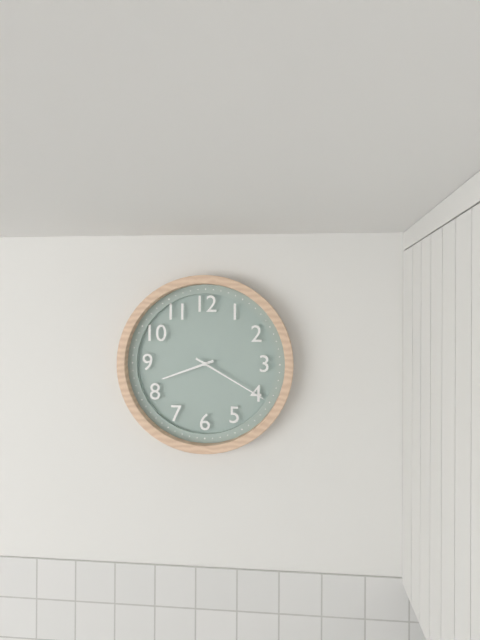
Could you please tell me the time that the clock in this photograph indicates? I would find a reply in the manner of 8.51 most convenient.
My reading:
8.20
